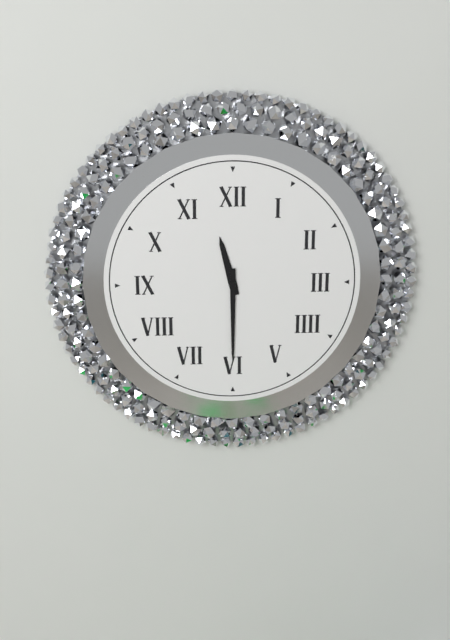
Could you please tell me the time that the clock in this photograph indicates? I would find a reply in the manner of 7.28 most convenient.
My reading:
11.30
